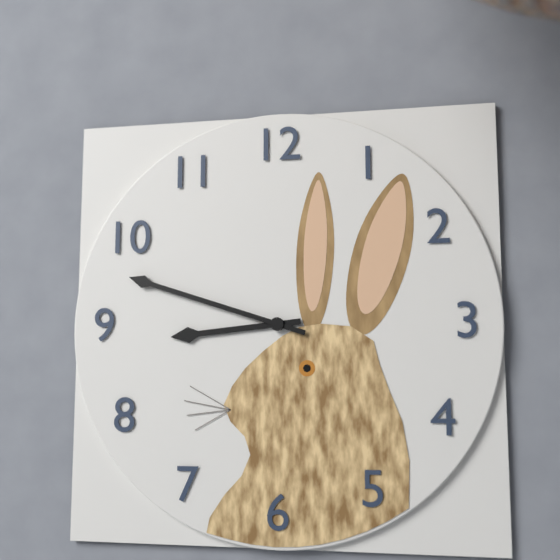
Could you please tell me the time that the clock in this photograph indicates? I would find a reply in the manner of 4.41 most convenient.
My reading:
8.48
